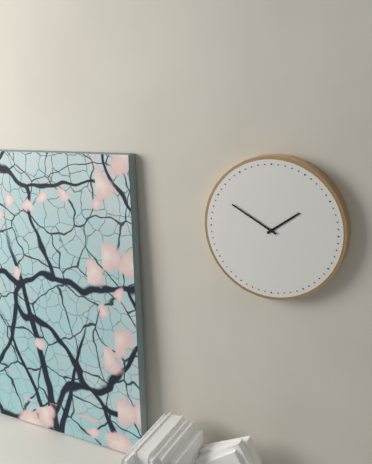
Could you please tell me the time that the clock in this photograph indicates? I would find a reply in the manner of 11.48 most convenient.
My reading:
1.50
